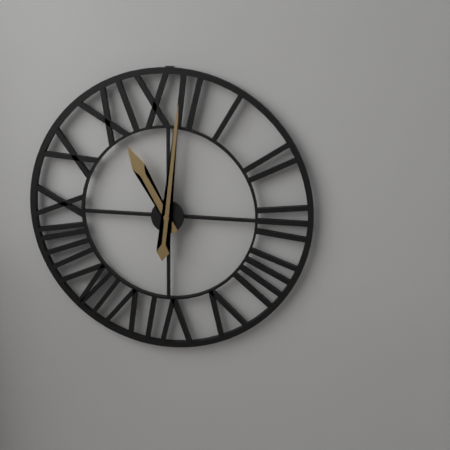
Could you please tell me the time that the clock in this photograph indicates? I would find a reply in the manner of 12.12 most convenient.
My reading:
11.01
